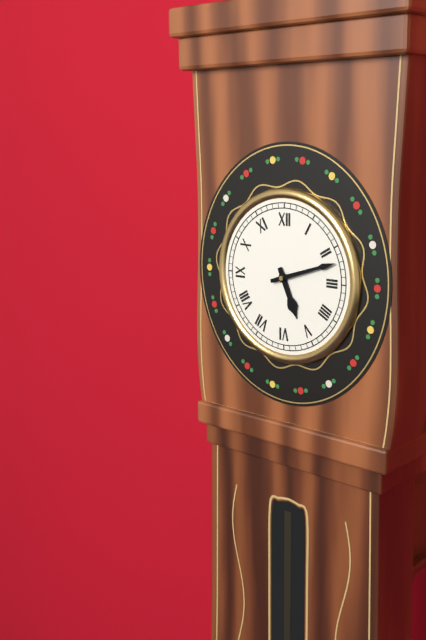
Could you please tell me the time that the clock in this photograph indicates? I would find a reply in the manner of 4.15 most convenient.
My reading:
5.12
